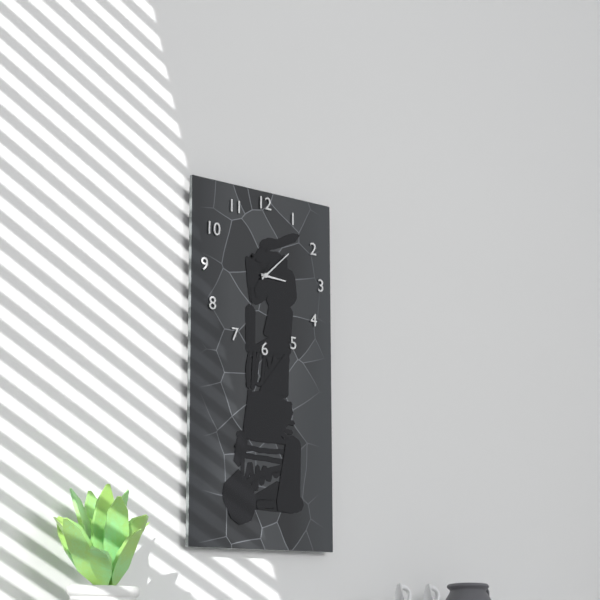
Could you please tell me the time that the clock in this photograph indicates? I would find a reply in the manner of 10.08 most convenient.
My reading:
3.08
